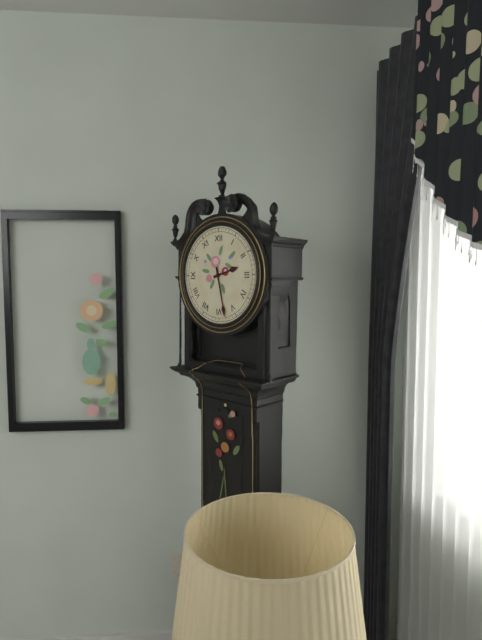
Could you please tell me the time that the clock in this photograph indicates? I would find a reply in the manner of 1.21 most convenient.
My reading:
2.28
